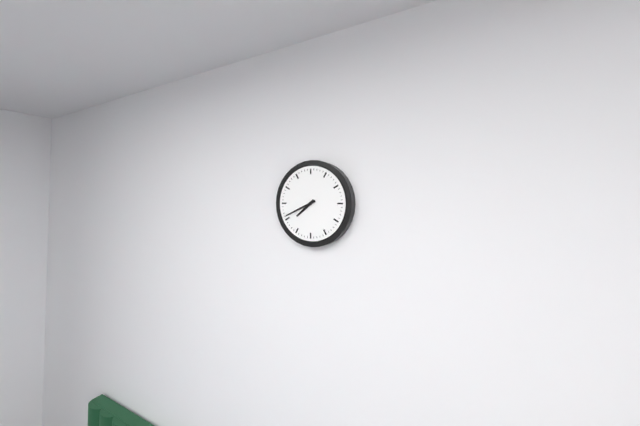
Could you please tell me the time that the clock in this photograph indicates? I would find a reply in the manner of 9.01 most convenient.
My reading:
7.41
